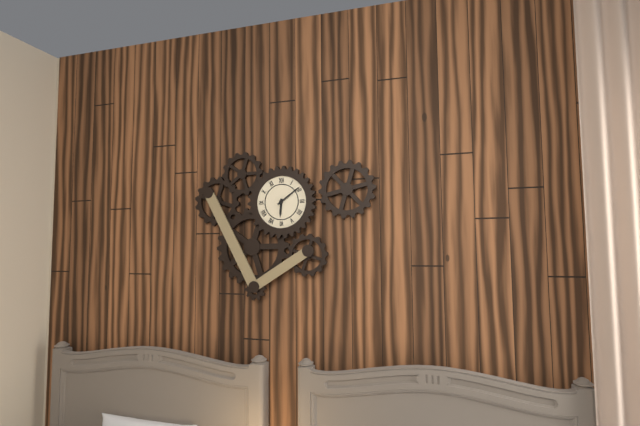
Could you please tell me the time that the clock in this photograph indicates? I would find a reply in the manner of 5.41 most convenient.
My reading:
6.09
